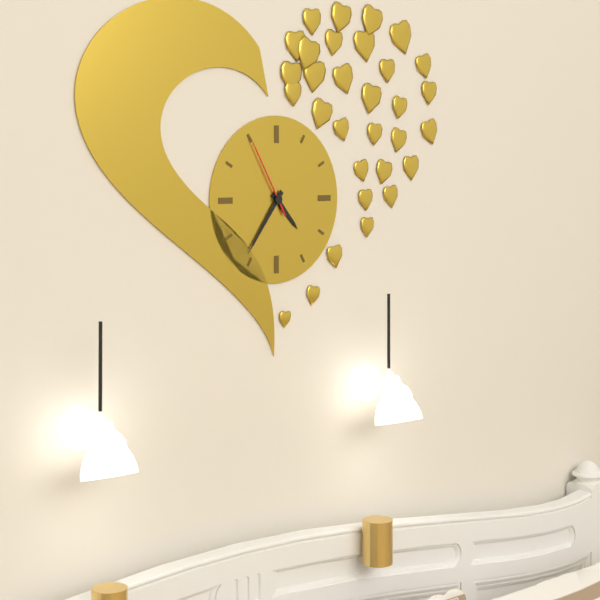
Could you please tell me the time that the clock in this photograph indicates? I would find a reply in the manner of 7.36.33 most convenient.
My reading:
4.36.55
